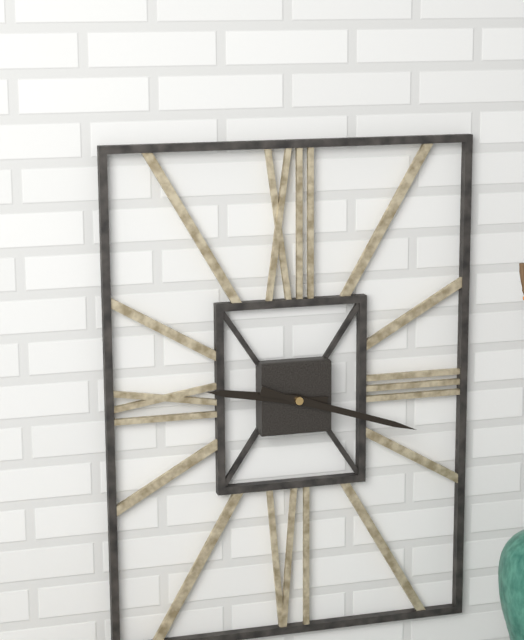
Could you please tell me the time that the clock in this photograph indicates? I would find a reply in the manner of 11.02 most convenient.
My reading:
9.18
